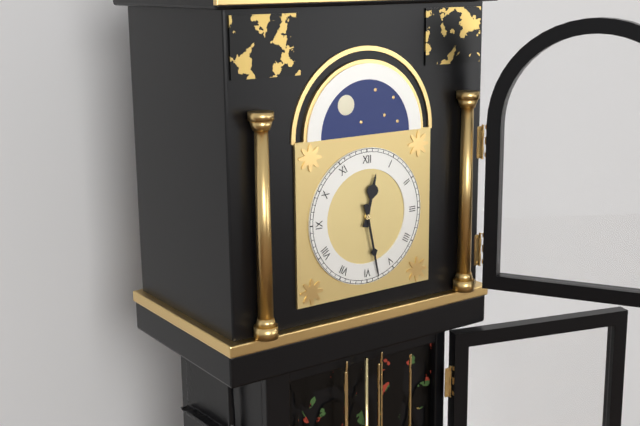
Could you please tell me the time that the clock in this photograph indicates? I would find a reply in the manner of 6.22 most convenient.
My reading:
12.28
